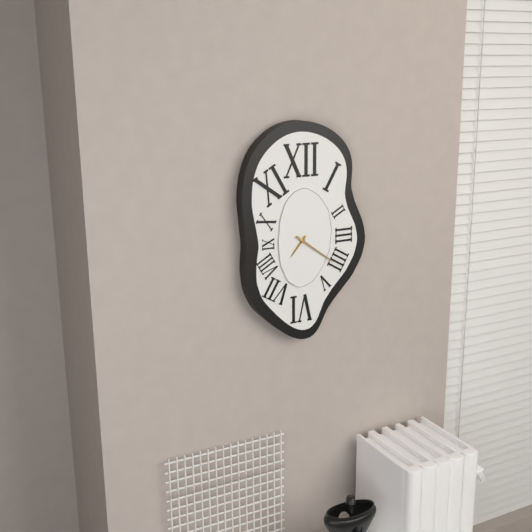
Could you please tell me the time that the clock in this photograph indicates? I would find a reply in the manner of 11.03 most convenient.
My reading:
7.21
